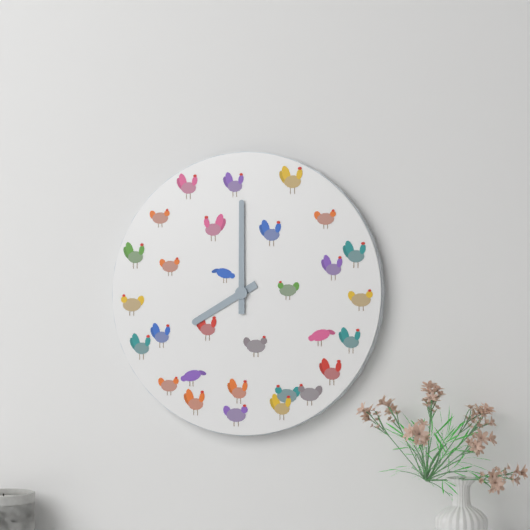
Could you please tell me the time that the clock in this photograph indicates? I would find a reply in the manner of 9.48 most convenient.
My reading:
8.00
